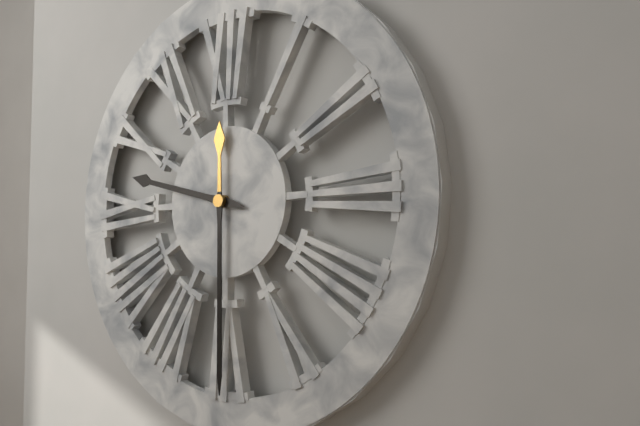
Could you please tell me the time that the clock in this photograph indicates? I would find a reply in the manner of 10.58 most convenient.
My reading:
9.30
